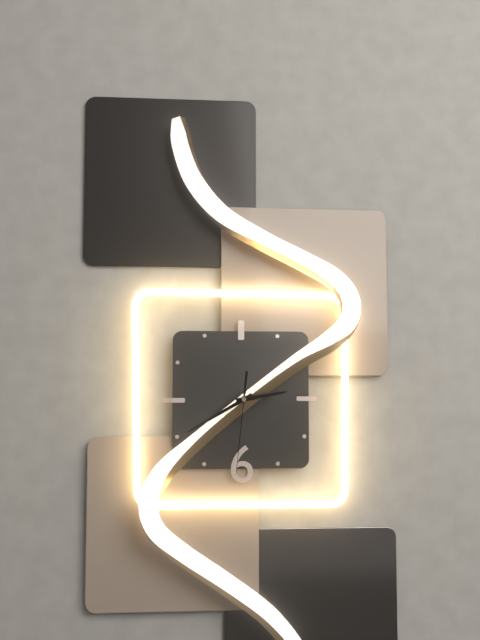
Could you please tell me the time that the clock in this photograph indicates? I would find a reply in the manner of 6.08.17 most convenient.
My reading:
2.40.31
